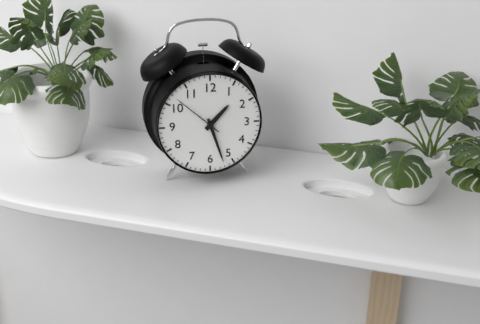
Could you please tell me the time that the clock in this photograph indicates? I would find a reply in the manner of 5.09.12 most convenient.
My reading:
1.27.52
